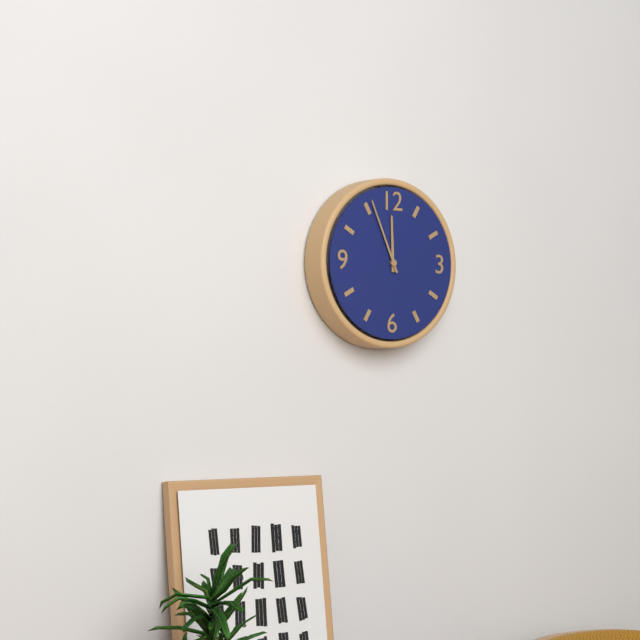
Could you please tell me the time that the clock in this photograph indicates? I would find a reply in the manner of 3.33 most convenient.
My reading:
11.56
